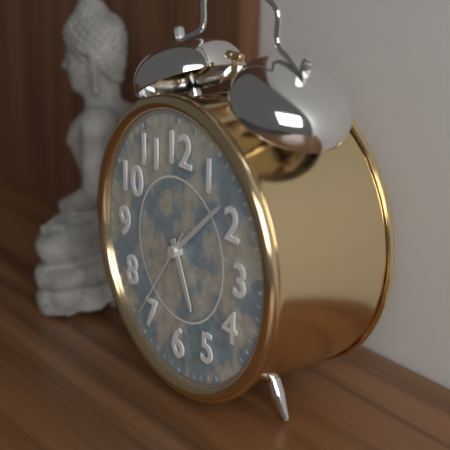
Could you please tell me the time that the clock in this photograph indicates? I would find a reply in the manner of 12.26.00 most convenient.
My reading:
5.08.36
